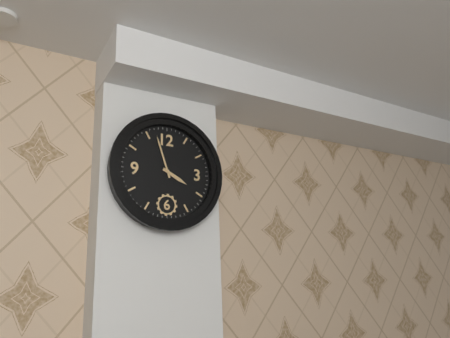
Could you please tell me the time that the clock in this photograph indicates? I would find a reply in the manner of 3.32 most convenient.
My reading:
3.57
